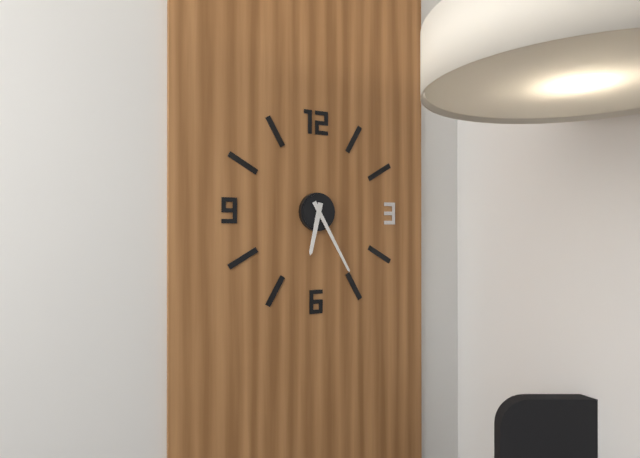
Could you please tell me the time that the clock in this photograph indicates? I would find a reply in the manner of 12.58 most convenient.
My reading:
6.25
